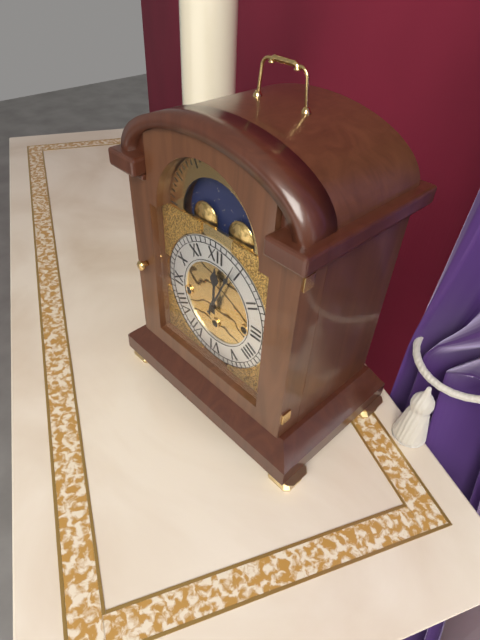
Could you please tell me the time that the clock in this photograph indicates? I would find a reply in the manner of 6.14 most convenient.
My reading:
12.04
